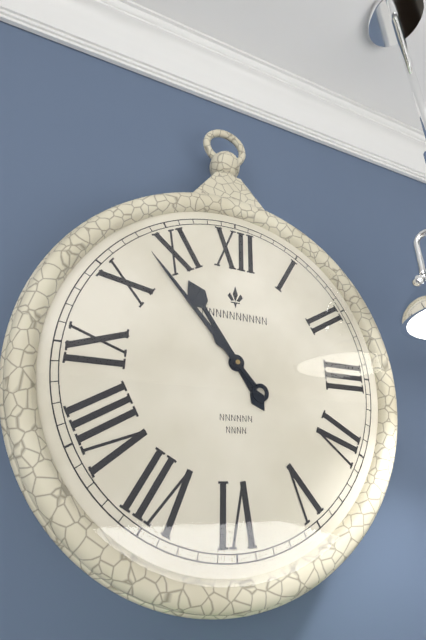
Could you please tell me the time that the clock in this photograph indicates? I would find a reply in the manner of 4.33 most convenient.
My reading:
10.53
